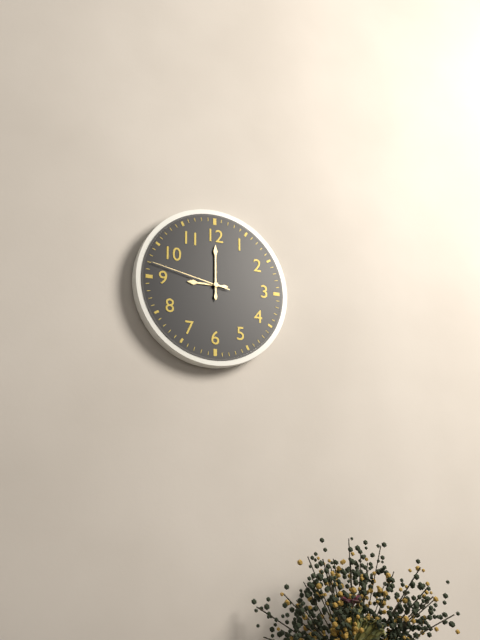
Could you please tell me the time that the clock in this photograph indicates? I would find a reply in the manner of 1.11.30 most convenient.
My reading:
9.00.47
